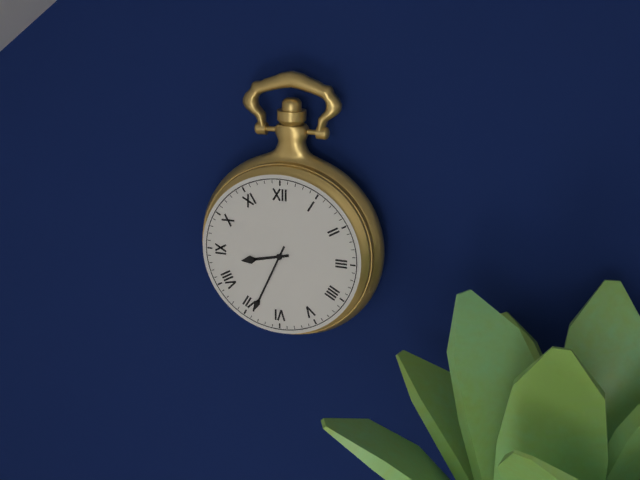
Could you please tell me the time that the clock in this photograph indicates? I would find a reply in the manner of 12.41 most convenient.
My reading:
8.34
